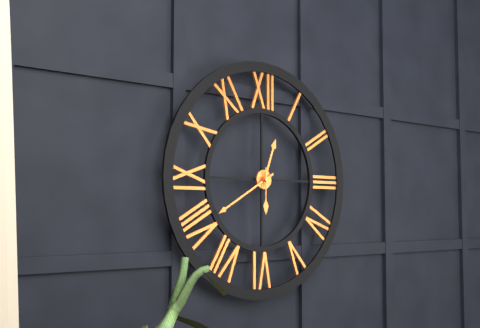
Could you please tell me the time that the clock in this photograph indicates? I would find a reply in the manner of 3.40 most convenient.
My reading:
12.40
